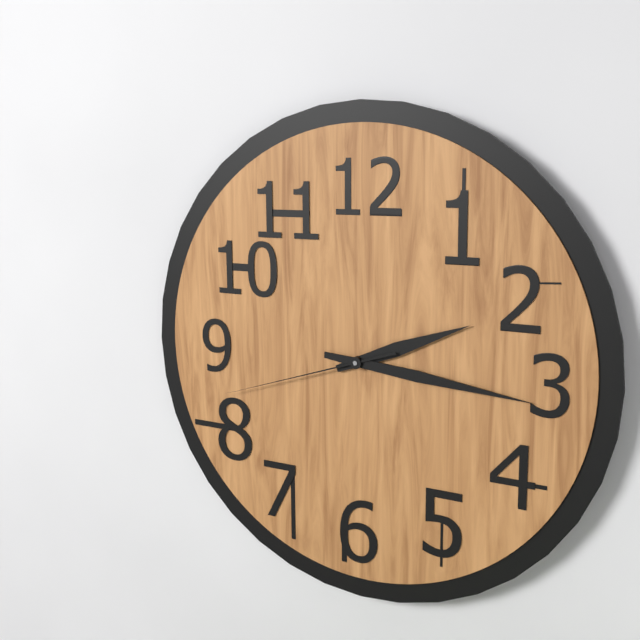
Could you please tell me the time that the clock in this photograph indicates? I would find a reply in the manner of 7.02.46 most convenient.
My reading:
2.16.42
